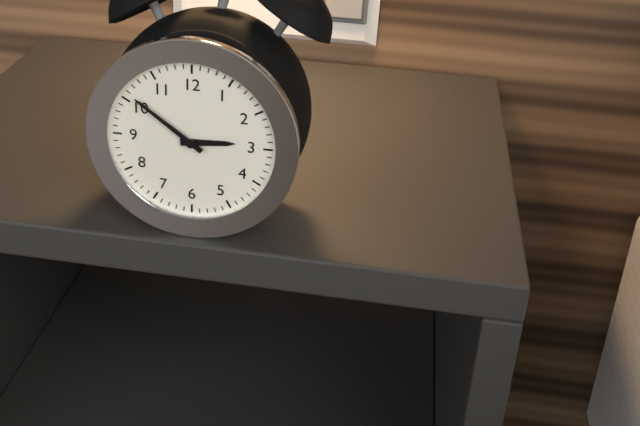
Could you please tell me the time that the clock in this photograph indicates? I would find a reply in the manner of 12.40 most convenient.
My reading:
2.51
